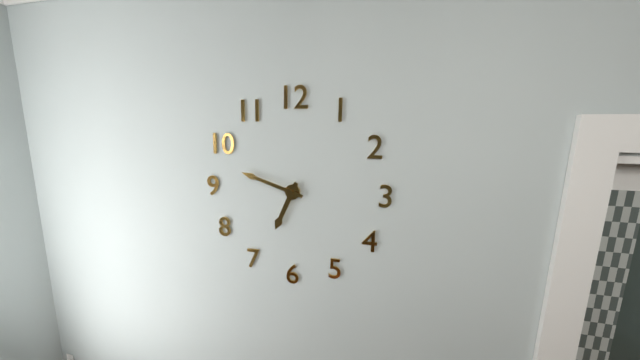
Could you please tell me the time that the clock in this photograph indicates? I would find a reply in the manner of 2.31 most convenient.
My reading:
6.48
